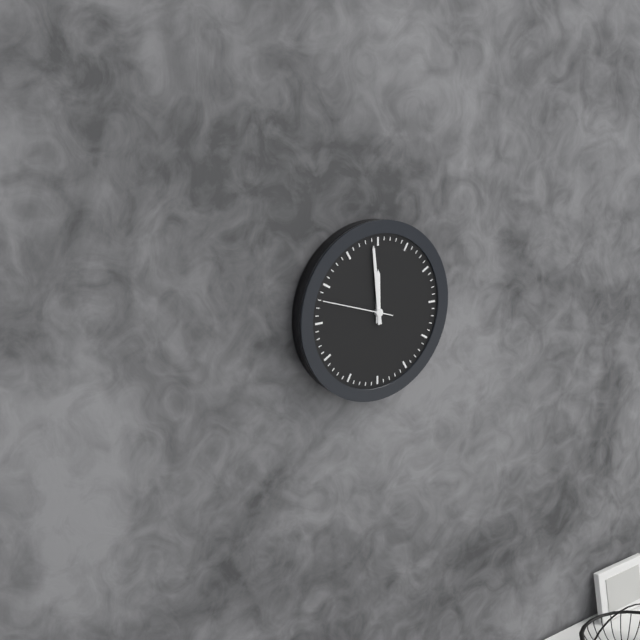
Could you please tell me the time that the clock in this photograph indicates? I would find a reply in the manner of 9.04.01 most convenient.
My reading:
11.59.48
